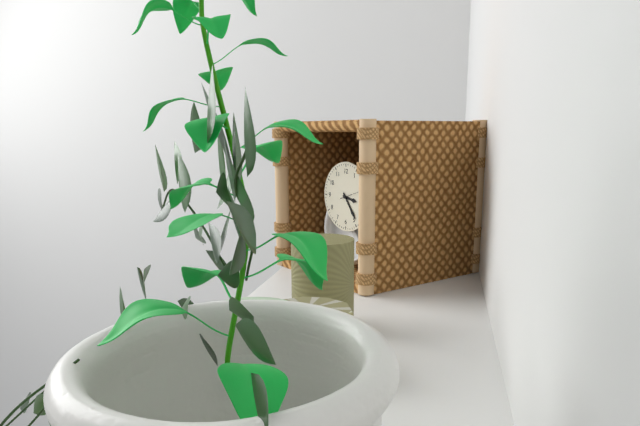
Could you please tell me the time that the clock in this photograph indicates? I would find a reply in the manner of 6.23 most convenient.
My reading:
3.24
